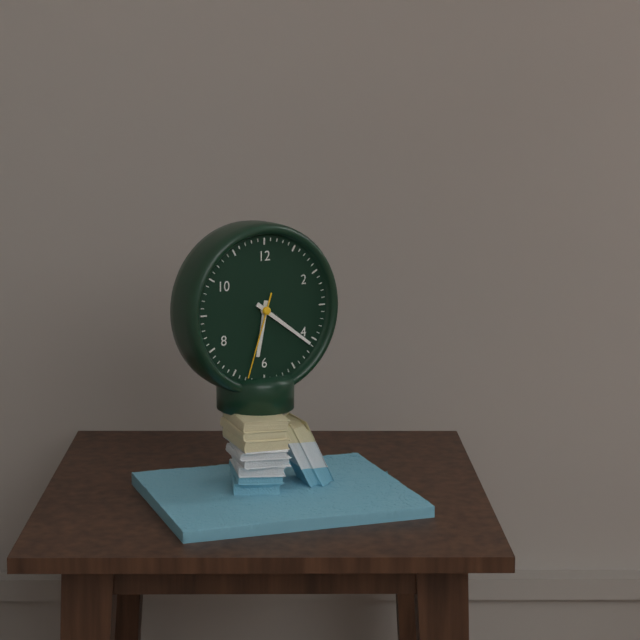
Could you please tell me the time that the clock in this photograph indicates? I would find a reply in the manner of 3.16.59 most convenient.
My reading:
6.21.33
